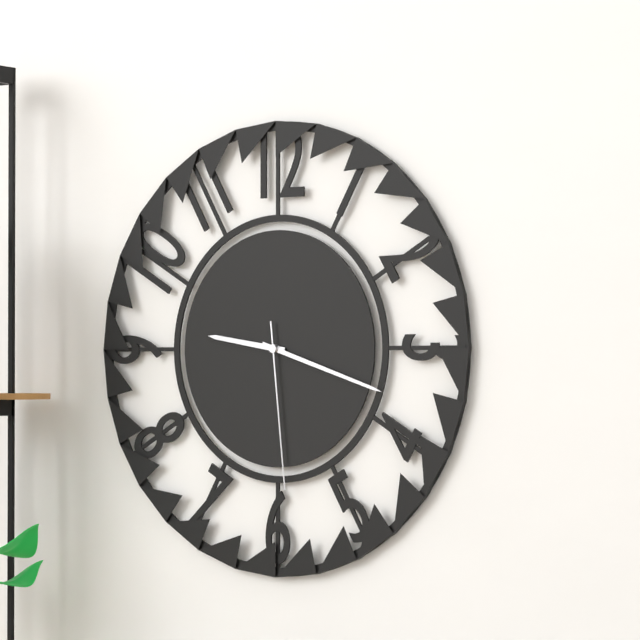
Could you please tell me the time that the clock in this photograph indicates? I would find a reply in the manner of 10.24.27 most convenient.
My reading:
9.18.29
